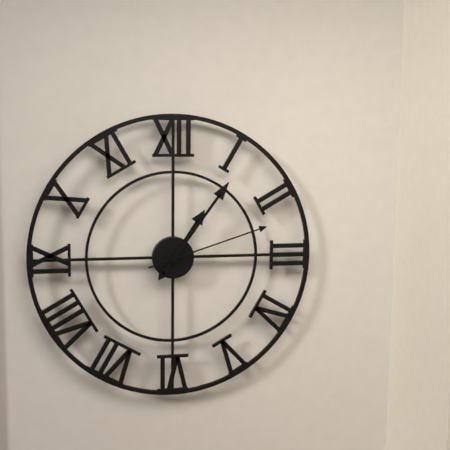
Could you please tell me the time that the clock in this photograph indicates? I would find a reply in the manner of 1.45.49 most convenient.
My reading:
1.06.12
